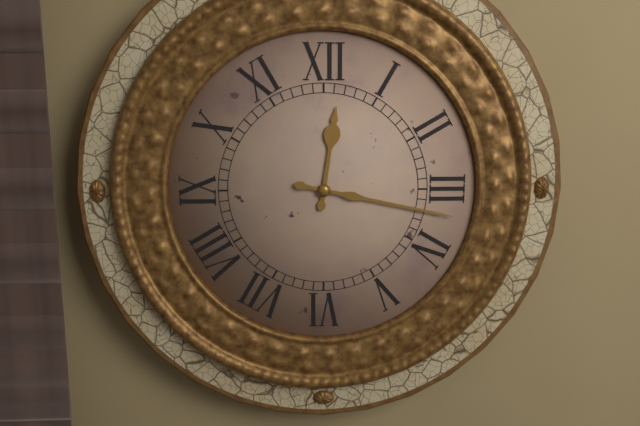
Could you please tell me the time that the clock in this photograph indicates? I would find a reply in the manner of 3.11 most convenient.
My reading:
12.17
